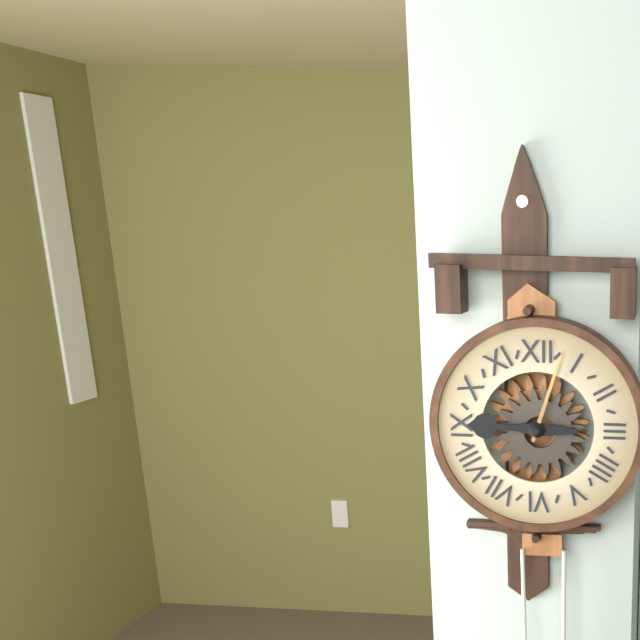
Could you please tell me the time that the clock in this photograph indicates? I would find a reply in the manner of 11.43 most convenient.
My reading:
9.03
